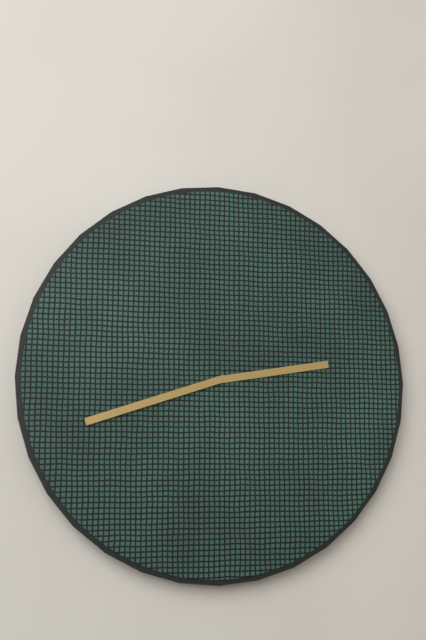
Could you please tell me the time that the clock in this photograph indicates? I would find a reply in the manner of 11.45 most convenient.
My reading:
2.42
